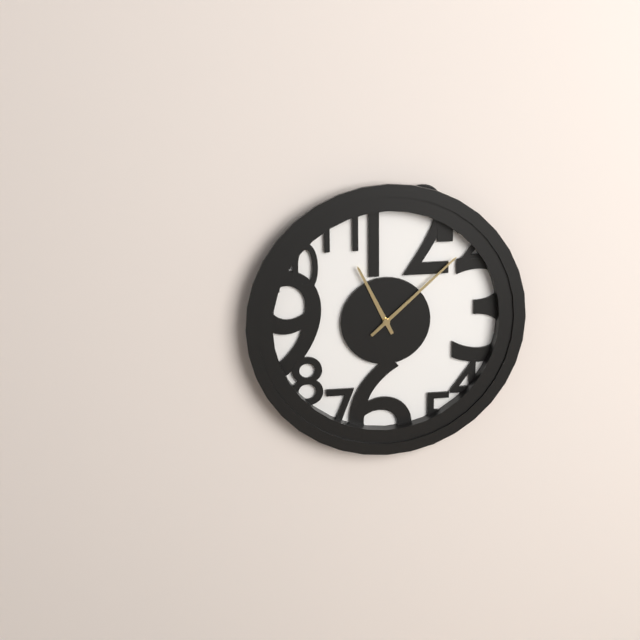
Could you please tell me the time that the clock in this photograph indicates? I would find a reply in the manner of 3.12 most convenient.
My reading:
11.08
